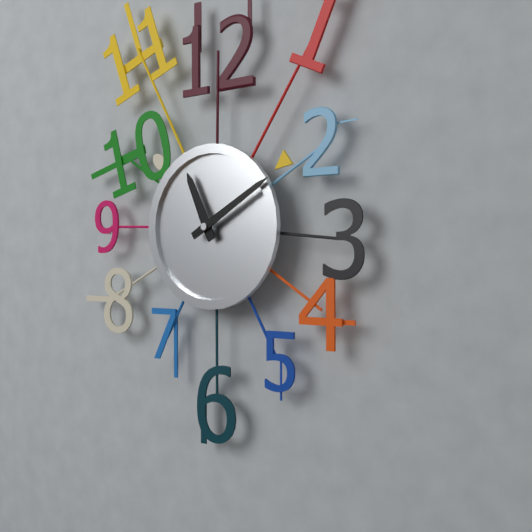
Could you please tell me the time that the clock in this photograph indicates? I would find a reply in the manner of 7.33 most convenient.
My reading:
11.10
